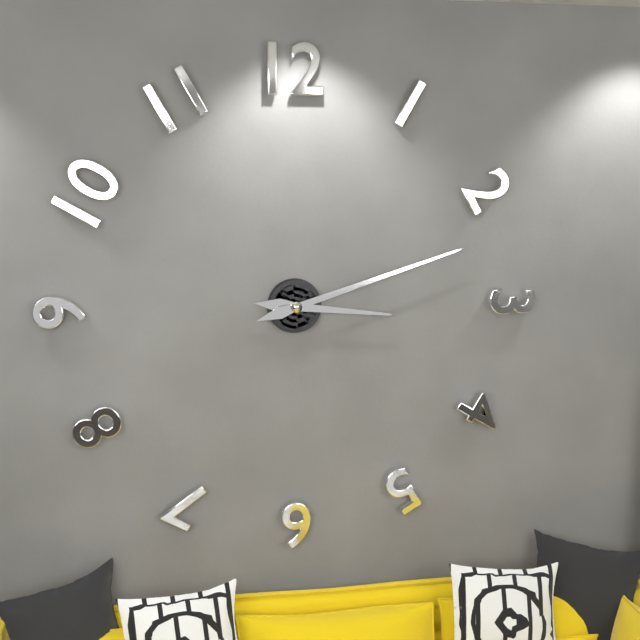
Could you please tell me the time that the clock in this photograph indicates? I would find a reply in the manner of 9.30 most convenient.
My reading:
3.12
